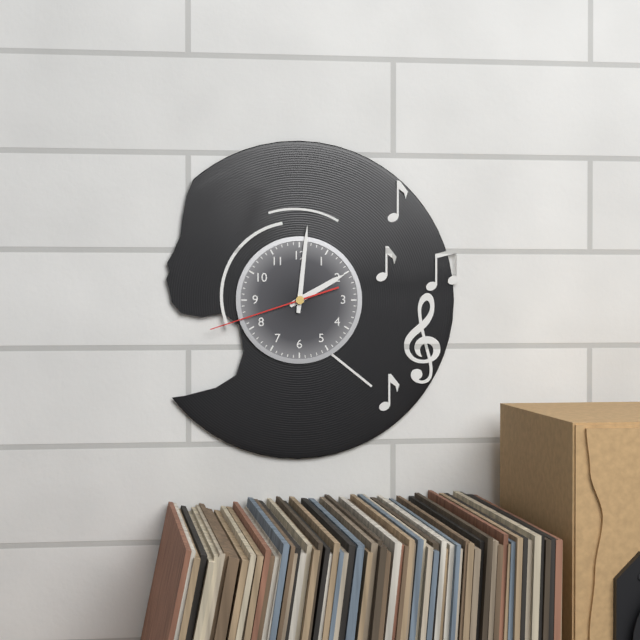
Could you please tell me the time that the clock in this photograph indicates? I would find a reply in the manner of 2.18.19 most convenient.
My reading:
2.01.42
